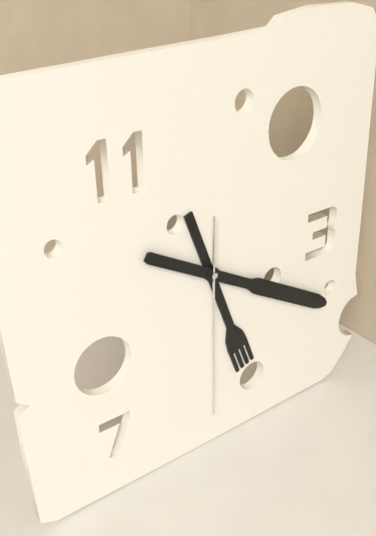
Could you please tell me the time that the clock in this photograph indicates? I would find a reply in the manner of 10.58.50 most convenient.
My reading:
5.20.30
